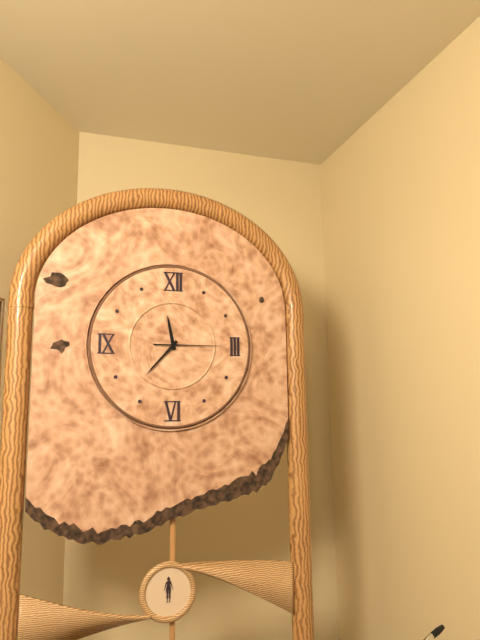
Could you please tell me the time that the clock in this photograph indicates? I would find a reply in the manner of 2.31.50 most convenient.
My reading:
11.37.15
